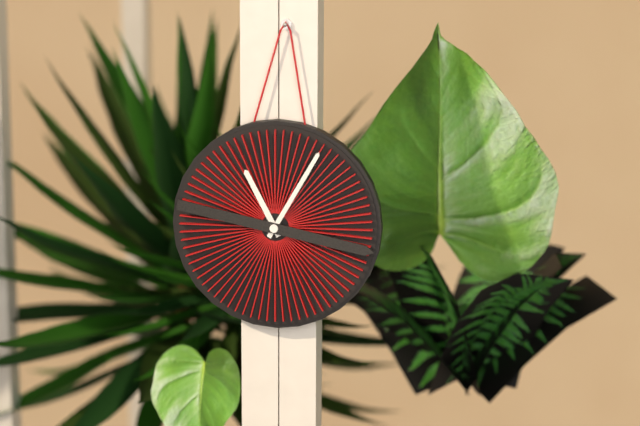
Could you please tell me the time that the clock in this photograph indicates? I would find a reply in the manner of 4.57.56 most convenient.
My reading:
11.05.17
